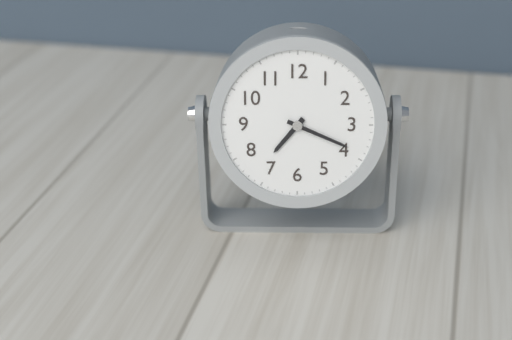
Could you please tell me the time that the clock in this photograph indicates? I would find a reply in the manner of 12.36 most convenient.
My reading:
7.19
